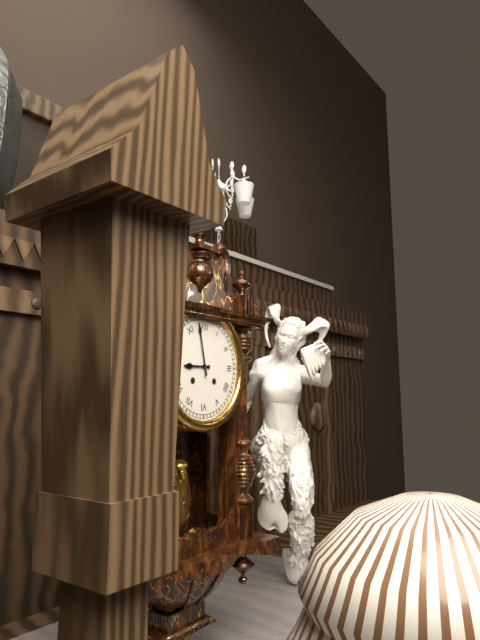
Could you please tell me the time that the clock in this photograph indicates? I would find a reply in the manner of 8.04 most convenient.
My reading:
8.58
